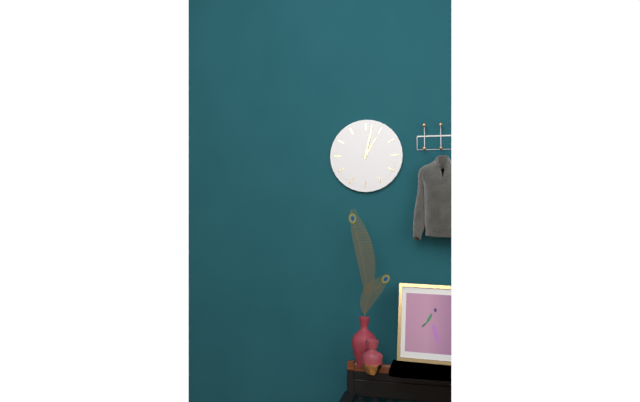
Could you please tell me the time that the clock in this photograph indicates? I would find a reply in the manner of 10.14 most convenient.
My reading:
1.02
